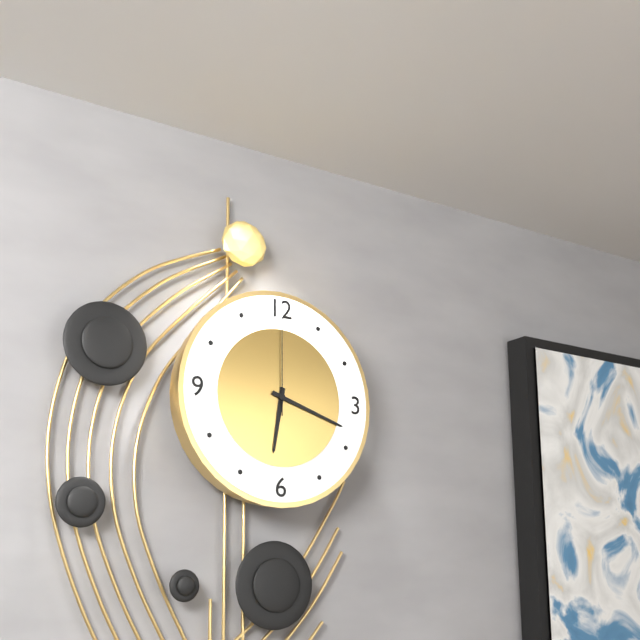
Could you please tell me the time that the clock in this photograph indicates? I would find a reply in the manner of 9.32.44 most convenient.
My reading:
6.18.00
